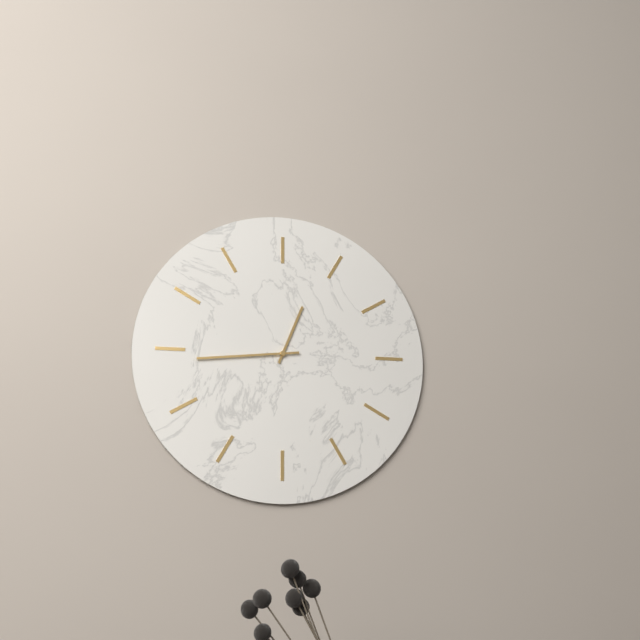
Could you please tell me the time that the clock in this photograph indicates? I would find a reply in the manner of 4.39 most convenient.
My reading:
12.44
